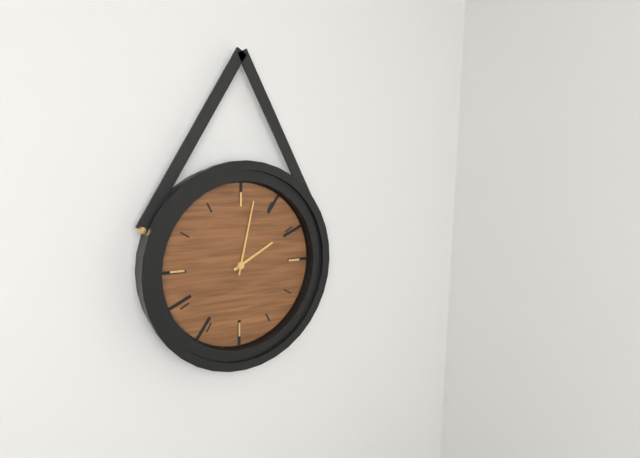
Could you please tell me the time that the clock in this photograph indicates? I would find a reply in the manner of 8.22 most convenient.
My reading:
2.02
